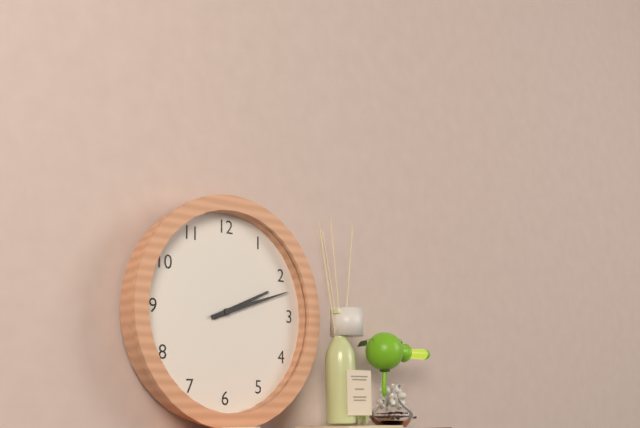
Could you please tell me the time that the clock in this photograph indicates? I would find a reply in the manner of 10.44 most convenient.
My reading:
2.12
